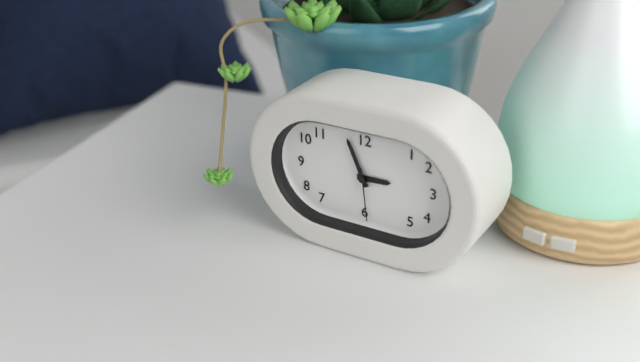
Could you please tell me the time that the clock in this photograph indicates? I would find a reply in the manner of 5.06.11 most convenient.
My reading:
2.56.29
